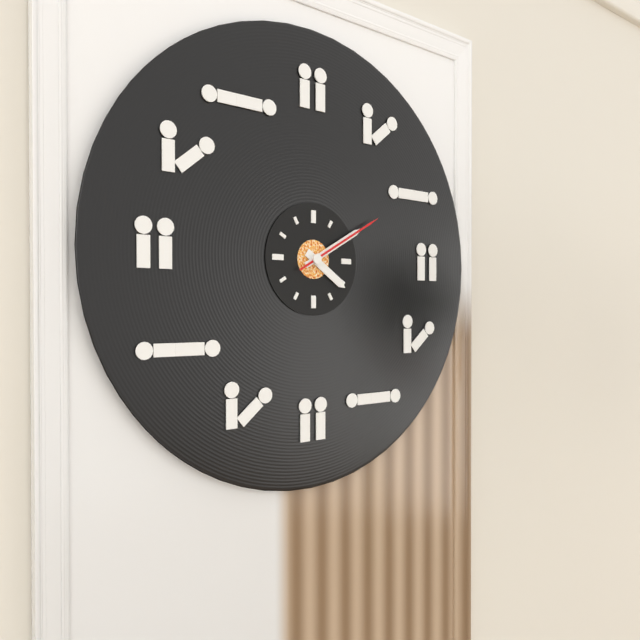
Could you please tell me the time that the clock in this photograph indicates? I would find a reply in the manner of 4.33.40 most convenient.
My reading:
4.10.10
